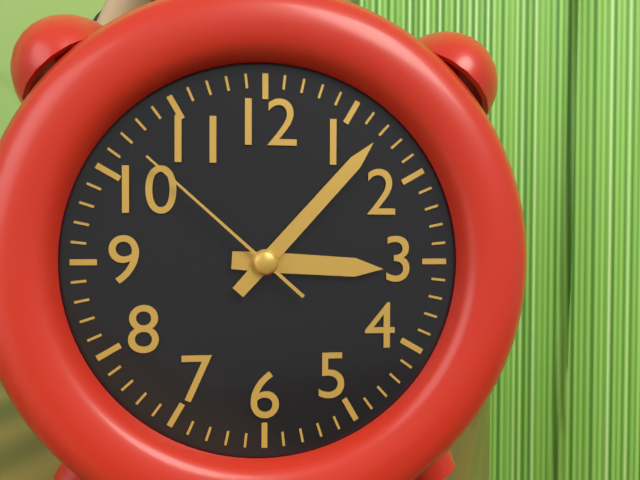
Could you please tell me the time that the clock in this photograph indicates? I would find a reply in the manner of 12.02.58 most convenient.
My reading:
3.07.52
